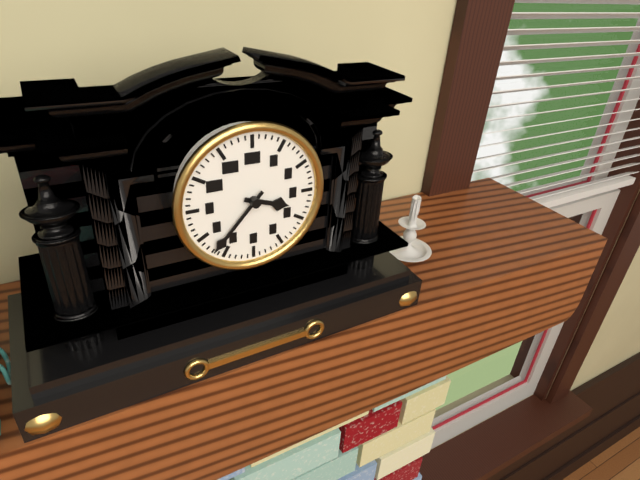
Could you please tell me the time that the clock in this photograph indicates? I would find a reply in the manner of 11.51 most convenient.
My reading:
3.37
